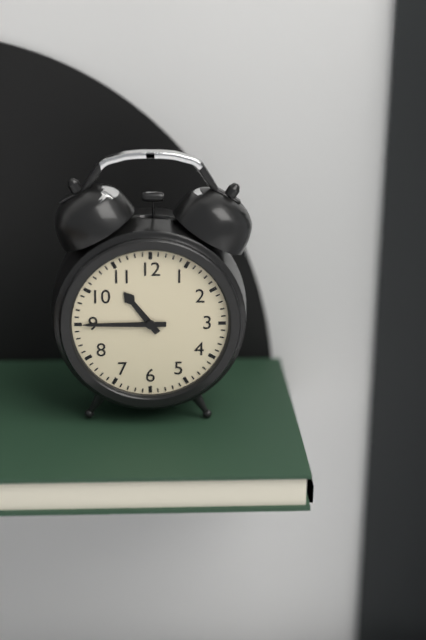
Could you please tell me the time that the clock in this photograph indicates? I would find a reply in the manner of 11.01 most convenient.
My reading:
10.45
